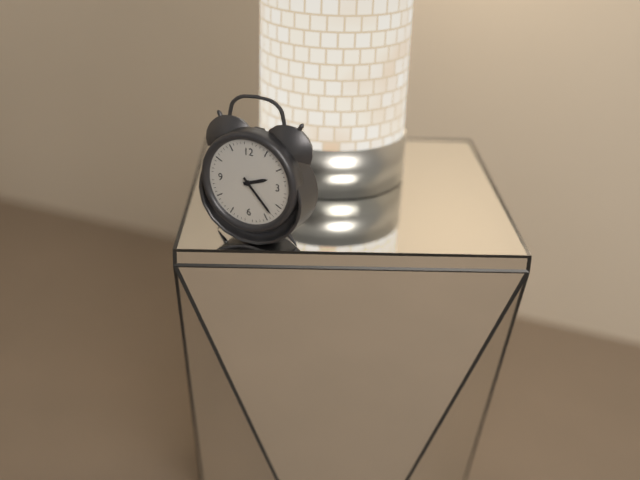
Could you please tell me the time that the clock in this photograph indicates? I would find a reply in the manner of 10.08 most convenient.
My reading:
2.23
